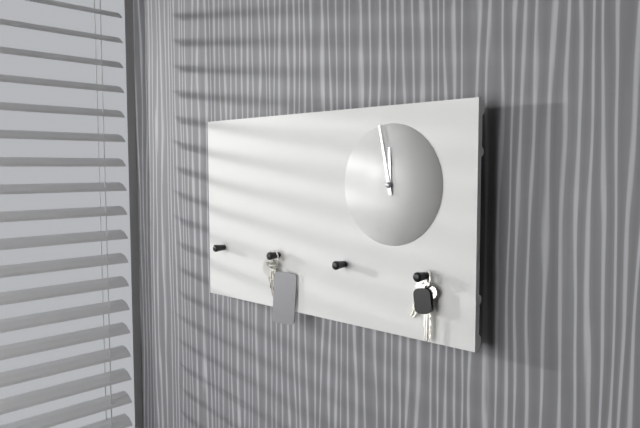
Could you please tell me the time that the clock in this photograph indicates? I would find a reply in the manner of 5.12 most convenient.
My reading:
11.58
